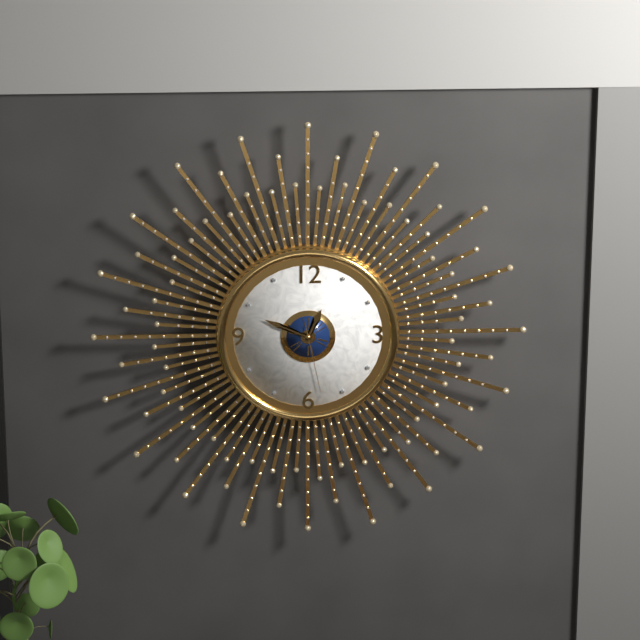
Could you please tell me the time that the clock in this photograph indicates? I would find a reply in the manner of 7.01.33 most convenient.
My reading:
12.49.28
